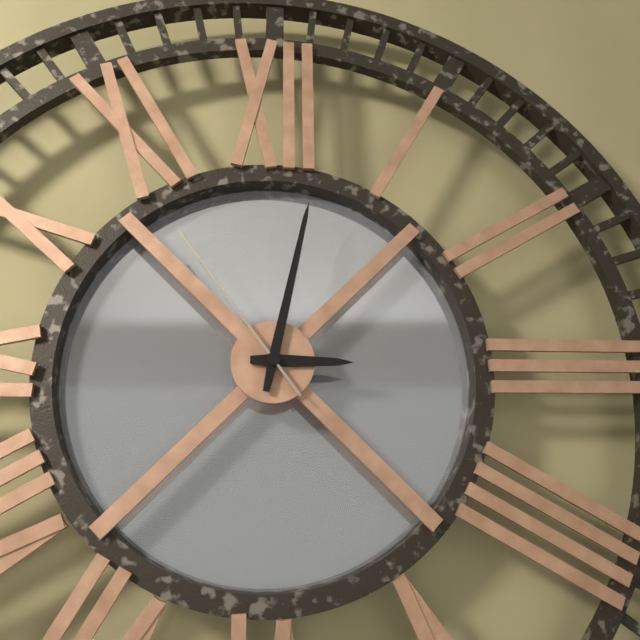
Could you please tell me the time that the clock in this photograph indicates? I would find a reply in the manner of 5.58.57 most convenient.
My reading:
3.02.54
